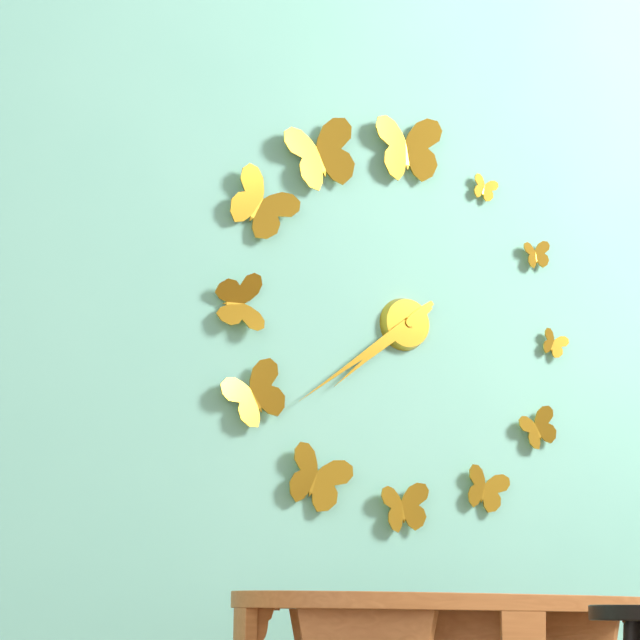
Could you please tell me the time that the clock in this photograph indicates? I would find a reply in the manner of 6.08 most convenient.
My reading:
7.39
